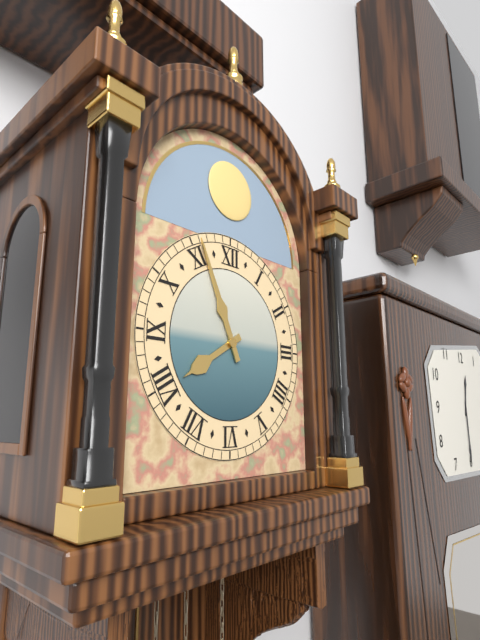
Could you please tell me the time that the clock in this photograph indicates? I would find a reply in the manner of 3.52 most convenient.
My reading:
7.56
